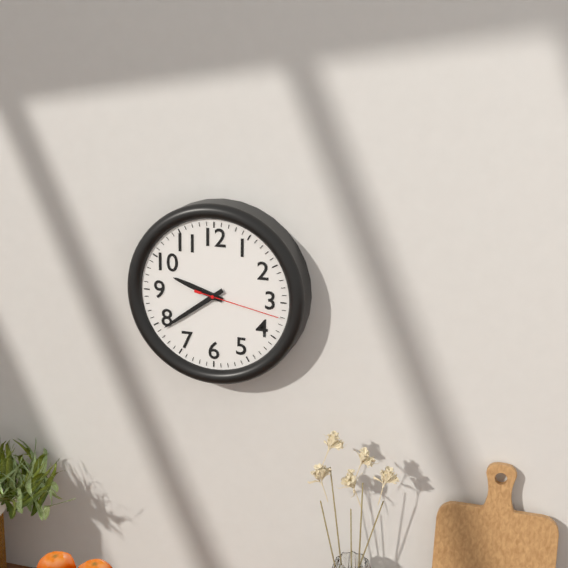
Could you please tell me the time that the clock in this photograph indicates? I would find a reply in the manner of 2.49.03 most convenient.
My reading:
9.39.17
